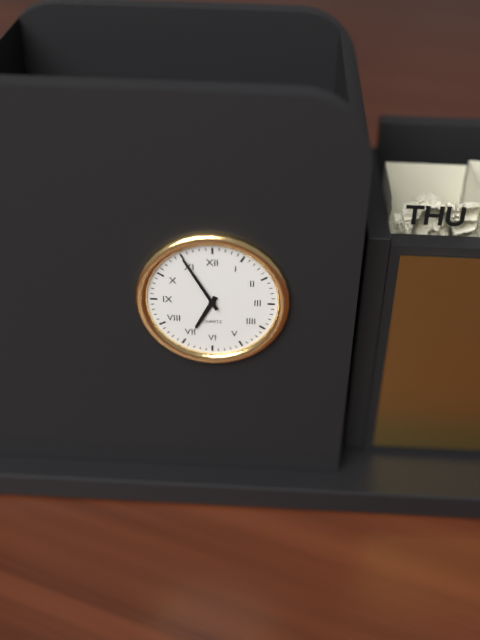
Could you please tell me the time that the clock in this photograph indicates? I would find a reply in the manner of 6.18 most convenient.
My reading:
6.55
